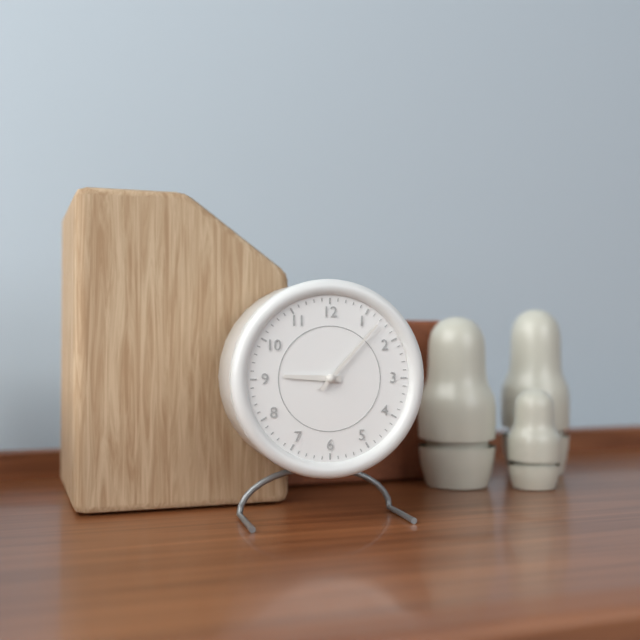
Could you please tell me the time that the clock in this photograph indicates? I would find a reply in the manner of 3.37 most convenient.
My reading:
9.07
